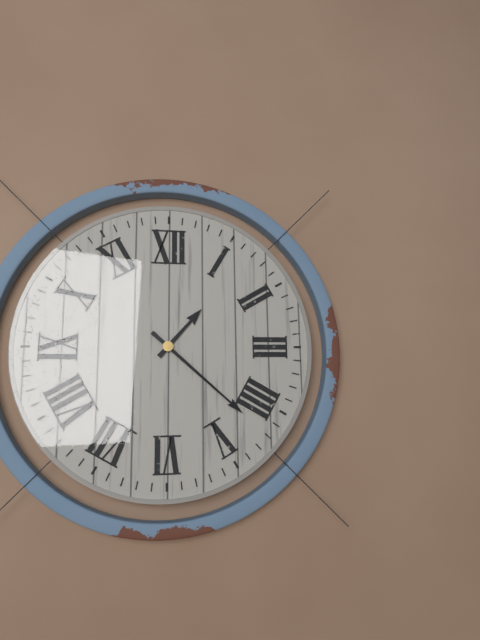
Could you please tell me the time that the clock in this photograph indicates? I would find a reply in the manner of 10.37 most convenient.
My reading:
1.22
